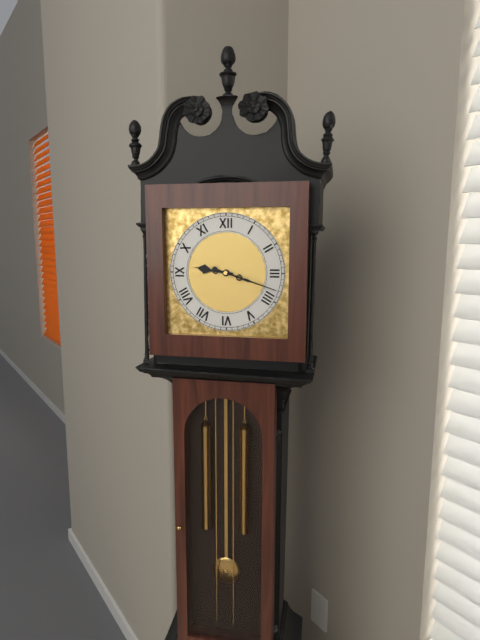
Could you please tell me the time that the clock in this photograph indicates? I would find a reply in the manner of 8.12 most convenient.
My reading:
9.18
